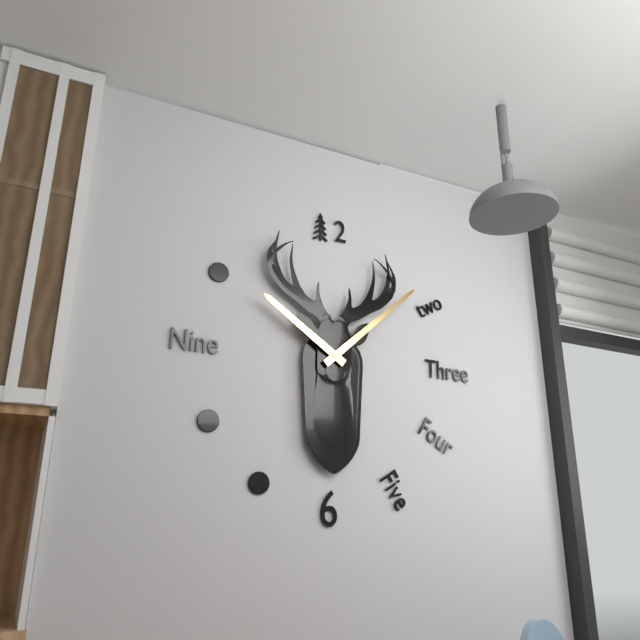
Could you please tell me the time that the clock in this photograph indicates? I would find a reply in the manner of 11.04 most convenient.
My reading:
10.08
